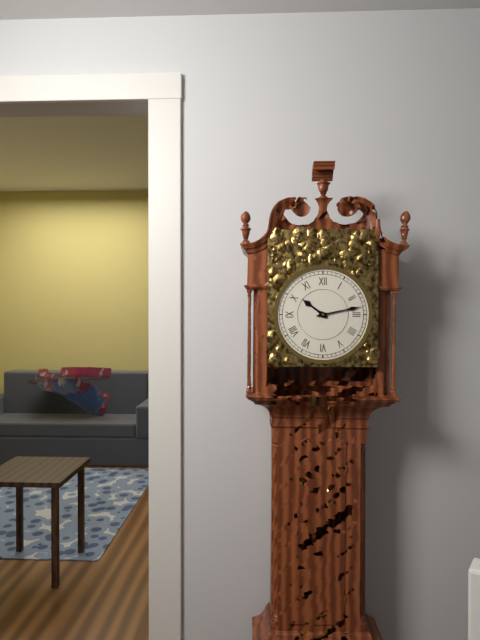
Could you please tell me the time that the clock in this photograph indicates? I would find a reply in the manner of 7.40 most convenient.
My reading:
10.13
